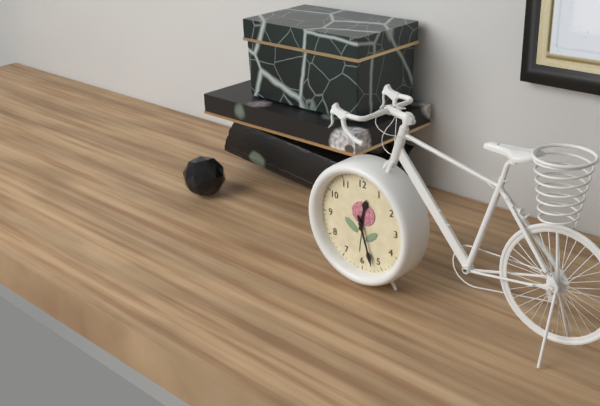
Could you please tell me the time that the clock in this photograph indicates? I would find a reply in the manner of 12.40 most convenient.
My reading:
12.27
